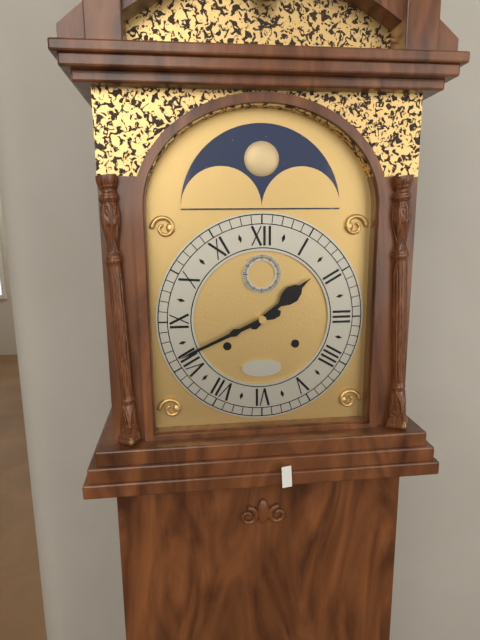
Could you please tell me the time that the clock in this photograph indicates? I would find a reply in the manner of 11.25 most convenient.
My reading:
1.41
